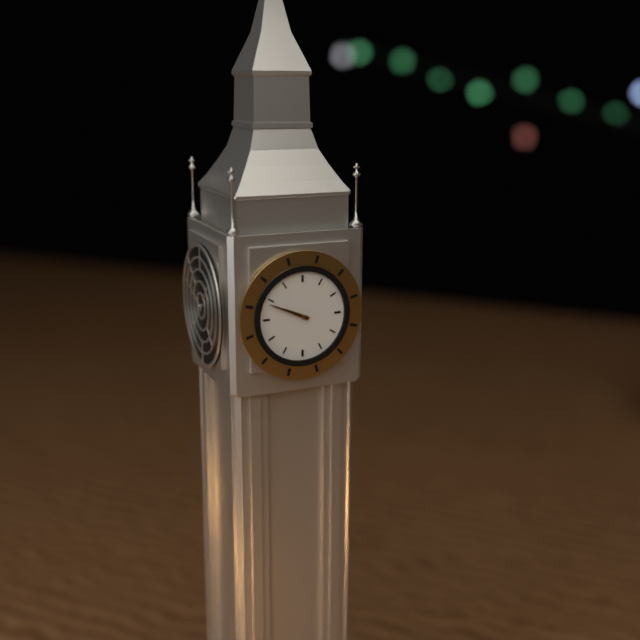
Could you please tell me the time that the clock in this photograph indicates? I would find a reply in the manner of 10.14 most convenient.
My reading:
9.49
